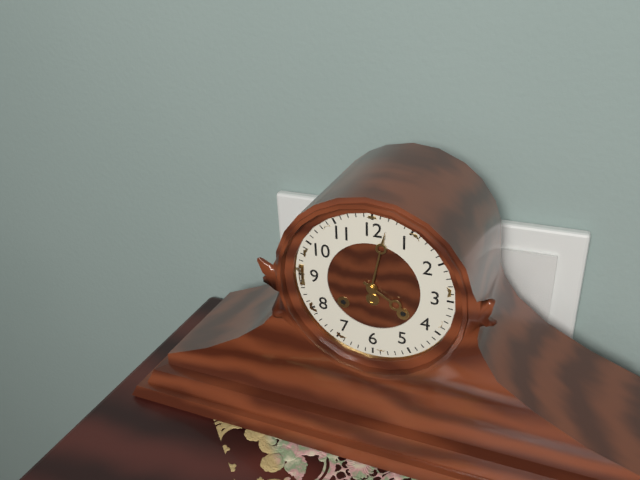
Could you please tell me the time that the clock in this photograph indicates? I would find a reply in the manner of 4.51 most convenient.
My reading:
4.02
